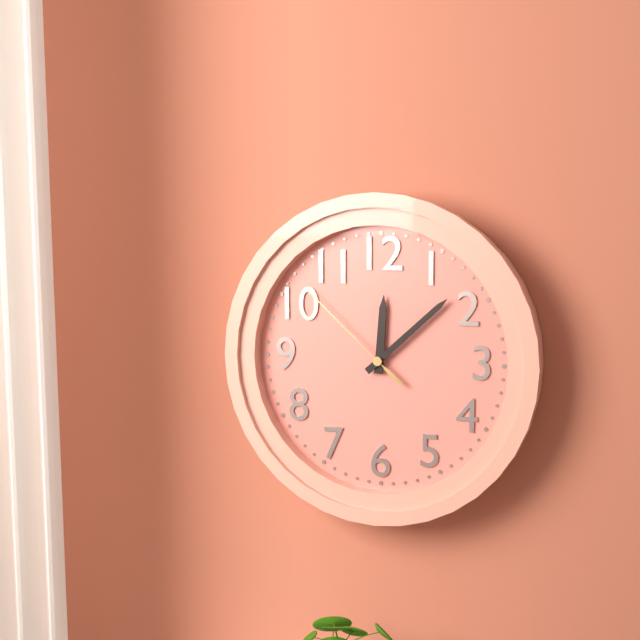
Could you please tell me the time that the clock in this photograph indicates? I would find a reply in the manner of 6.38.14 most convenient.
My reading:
12.08.52
